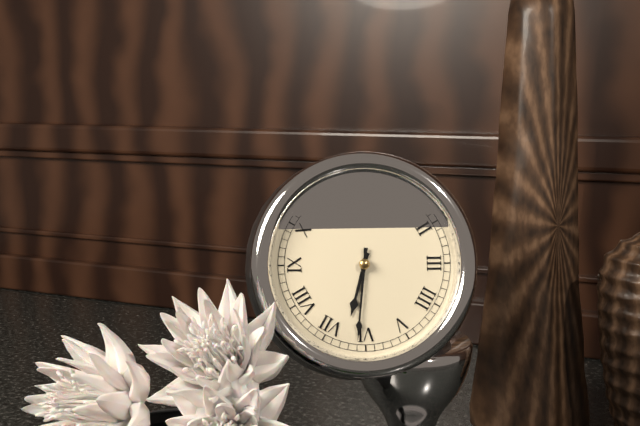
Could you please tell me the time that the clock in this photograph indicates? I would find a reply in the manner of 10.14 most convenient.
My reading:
6.31
